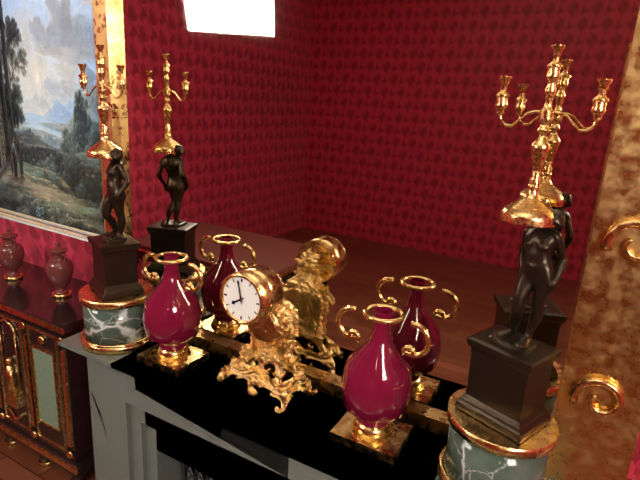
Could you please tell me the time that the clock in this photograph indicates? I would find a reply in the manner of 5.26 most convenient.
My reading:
7.58
